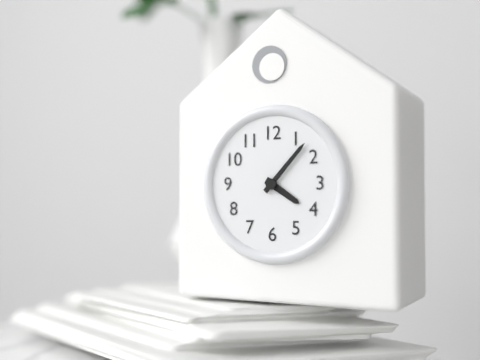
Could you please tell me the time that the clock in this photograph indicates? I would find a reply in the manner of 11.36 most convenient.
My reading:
4.07
